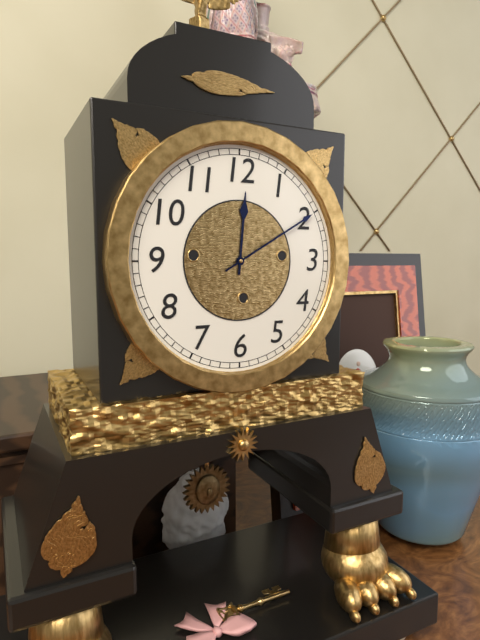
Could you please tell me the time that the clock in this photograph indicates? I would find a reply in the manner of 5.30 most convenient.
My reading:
12.10
